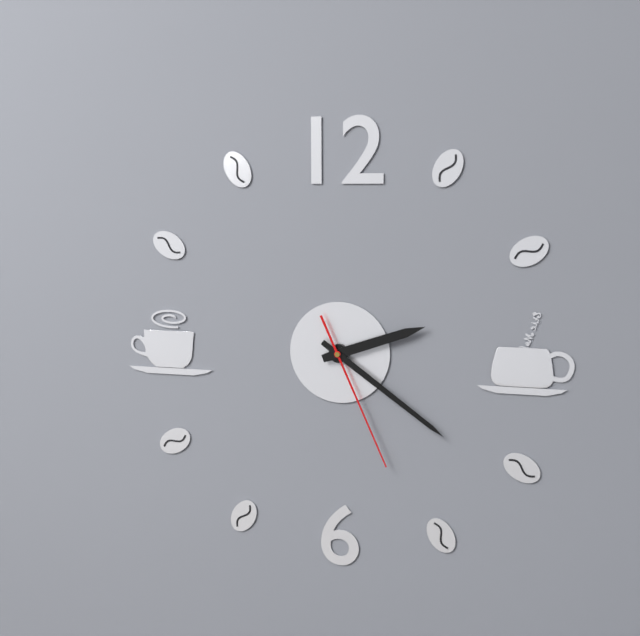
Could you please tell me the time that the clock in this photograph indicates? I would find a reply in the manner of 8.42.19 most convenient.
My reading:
2.21.26
